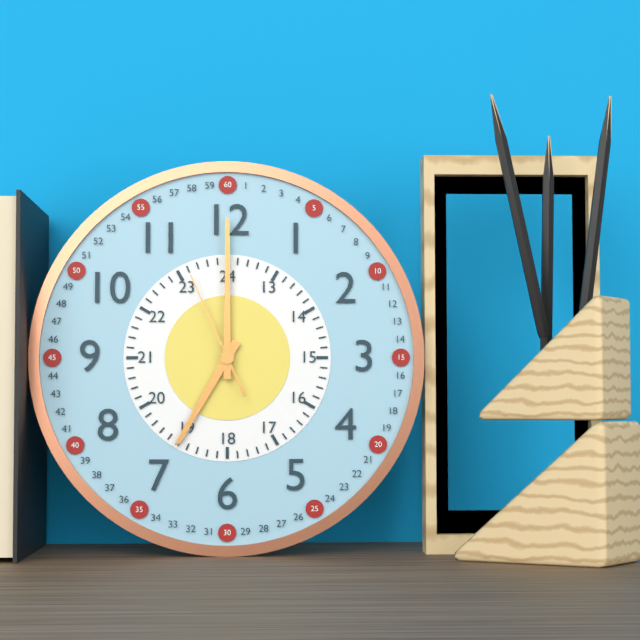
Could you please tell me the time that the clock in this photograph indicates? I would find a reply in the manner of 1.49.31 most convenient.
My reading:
7.00.56
